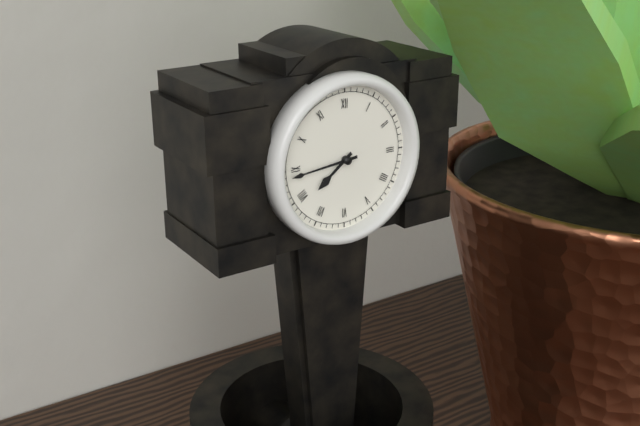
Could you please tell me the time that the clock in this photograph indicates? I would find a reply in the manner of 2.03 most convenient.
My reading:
7.44
